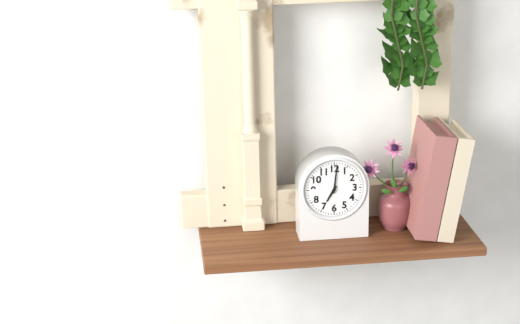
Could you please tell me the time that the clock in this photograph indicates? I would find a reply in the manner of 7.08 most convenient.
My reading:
7.01
